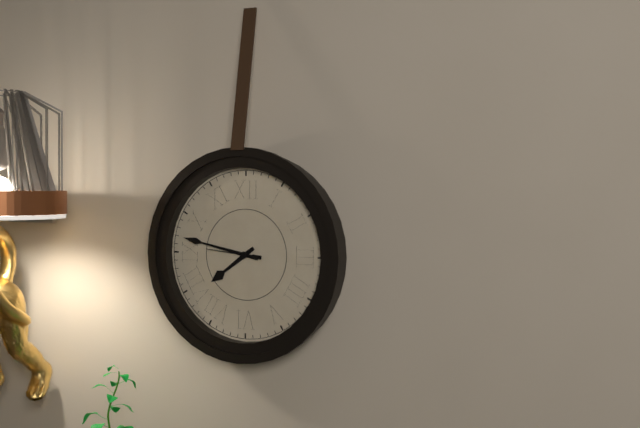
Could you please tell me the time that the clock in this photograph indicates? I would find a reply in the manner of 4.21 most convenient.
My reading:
7.47
